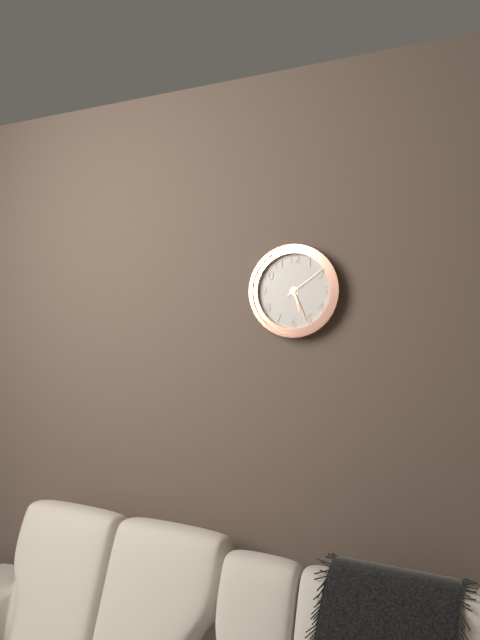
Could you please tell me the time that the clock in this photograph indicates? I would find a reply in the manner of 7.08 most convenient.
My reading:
5.26
